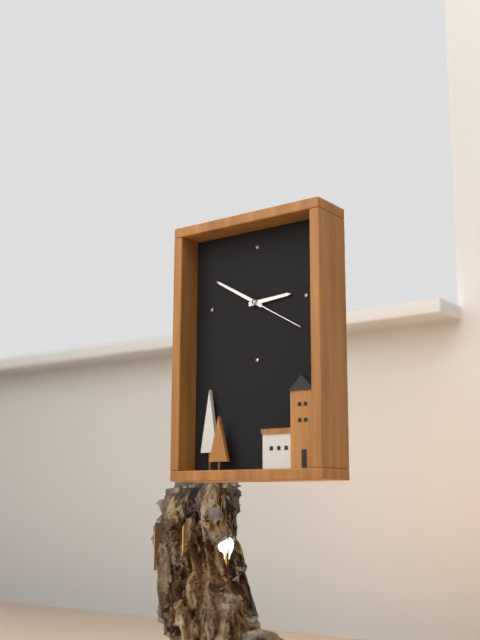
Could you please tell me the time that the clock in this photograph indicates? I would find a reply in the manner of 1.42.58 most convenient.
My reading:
2.50.20
